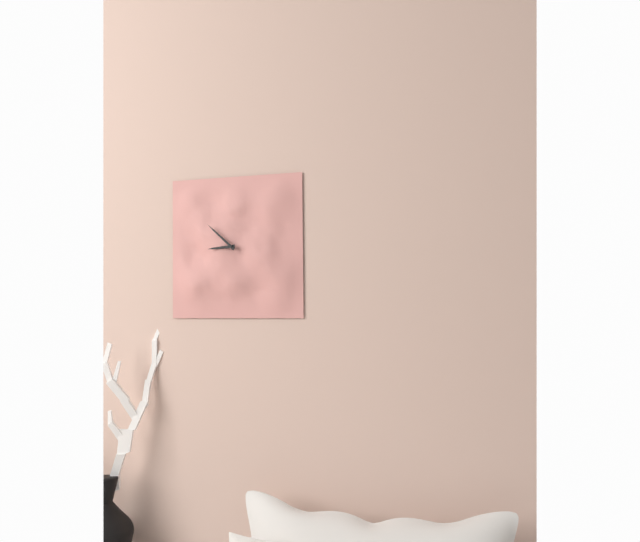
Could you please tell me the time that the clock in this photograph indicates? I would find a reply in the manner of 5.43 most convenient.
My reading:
8.52
